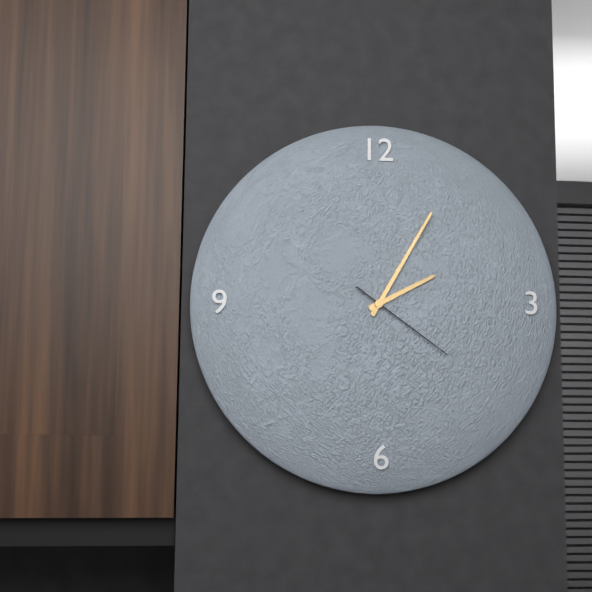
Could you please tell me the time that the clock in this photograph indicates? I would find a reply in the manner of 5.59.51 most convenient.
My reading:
2.05.21
